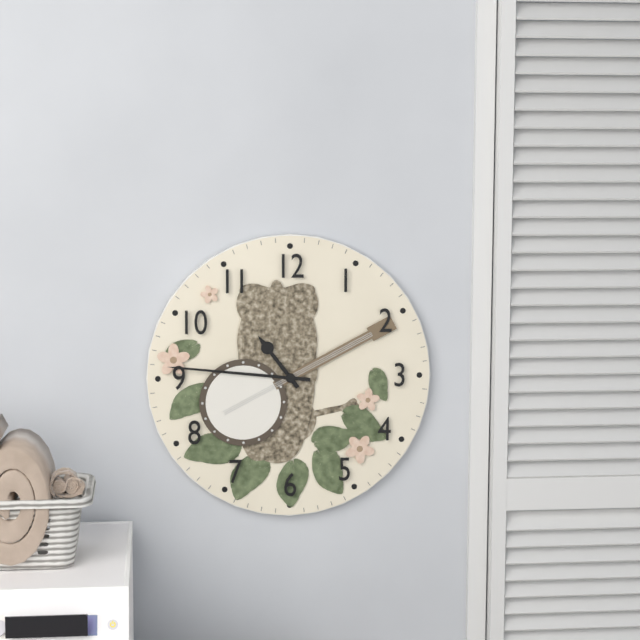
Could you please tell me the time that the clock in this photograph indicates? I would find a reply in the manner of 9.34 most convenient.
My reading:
10.46
